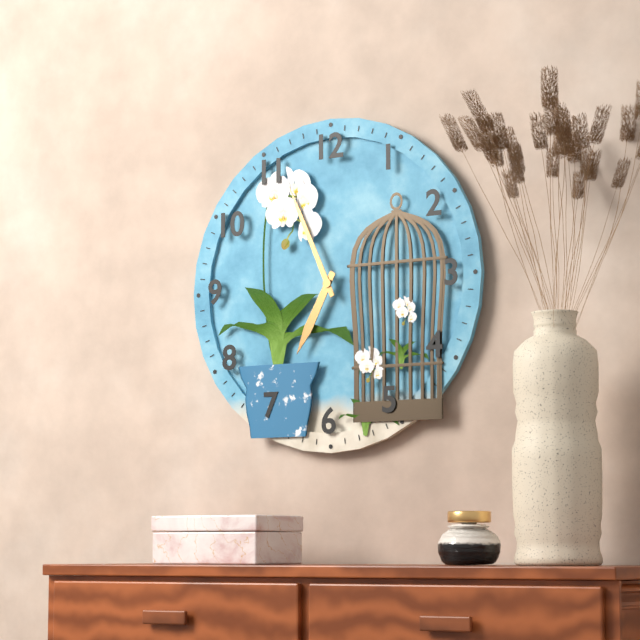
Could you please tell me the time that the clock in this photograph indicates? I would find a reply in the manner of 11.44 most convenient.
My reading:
6.56
